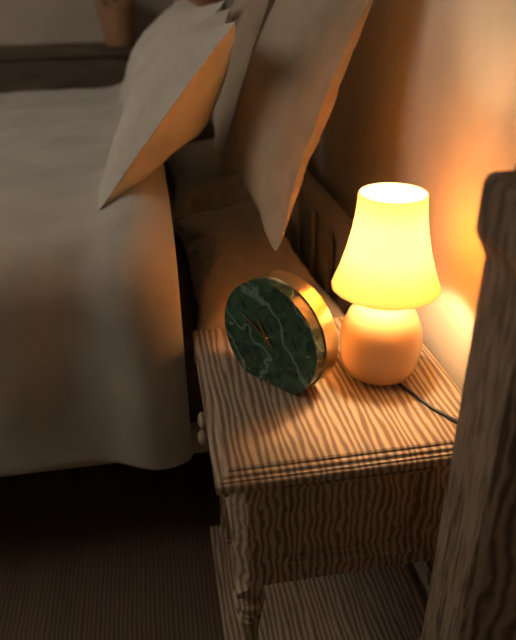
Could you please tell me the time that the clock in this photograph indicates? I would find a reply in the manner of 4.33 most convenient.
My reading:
10.50
